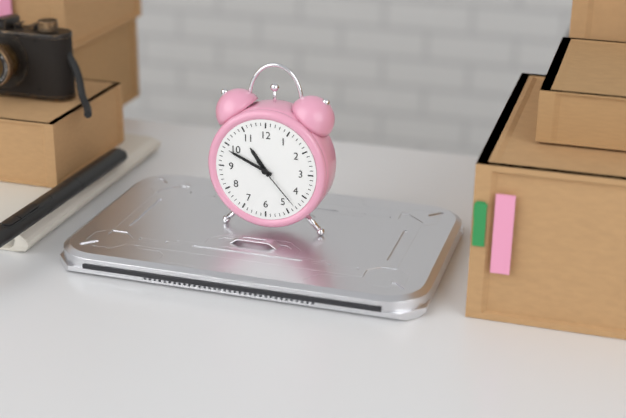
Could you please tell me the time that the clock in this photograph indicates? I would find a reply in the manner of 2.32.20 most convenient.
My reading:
10.49.23
